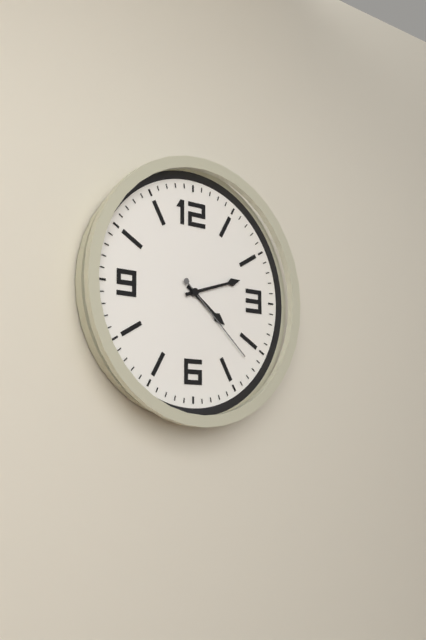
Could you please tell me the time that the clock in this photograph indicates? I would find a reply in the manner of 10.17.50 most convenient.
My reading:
4.12.22
